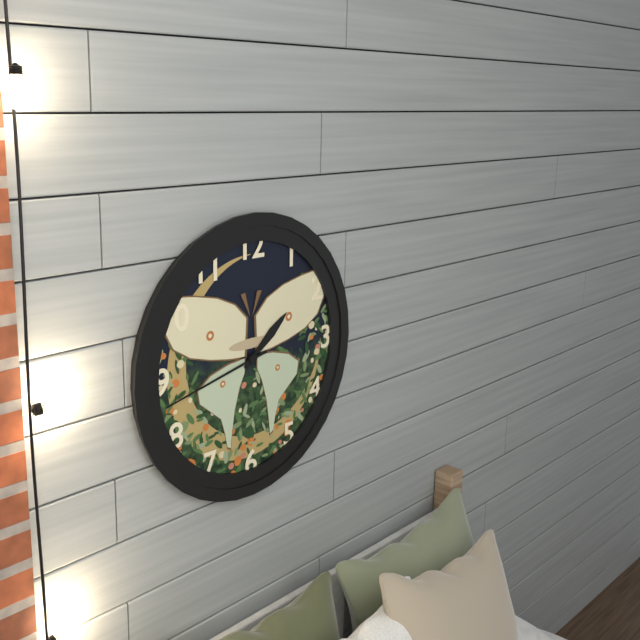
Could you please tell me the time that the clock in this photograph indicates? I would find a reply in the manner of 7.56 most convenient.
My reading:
1.43
